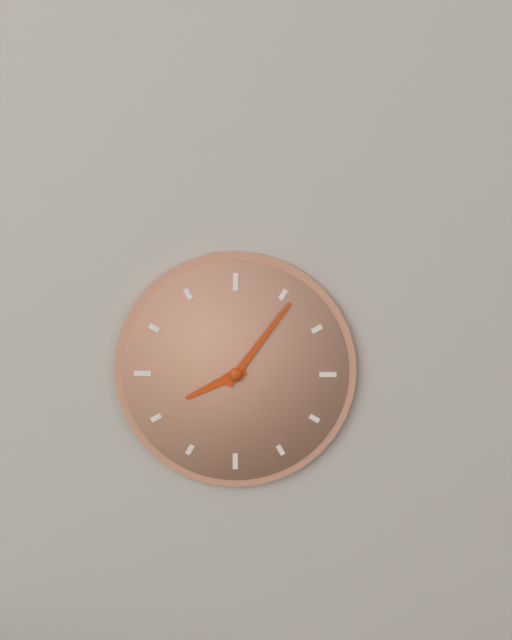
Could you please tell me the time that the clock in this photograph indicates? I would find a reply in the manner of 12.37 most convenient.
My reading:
8.06
